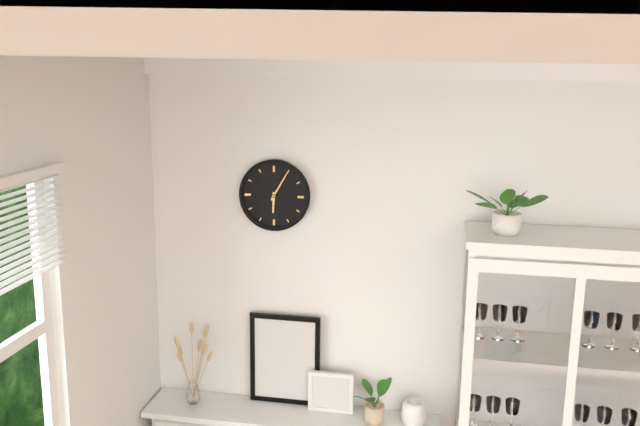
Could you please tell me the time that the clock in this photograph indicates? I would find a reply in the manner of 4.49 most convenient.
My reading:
6.05
